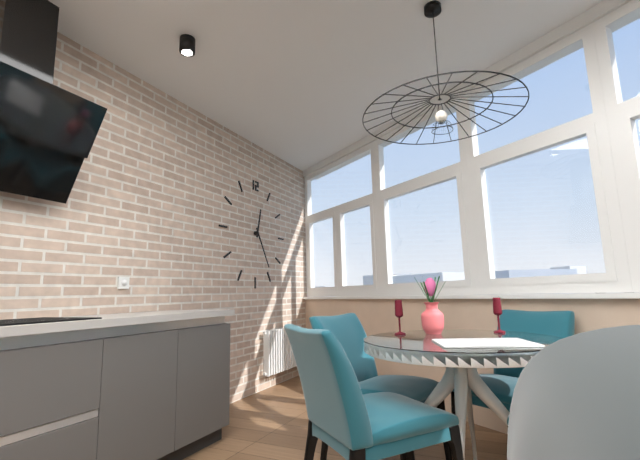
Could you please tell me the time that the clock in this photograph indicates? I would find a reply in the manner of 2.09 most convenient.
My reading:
12.25
